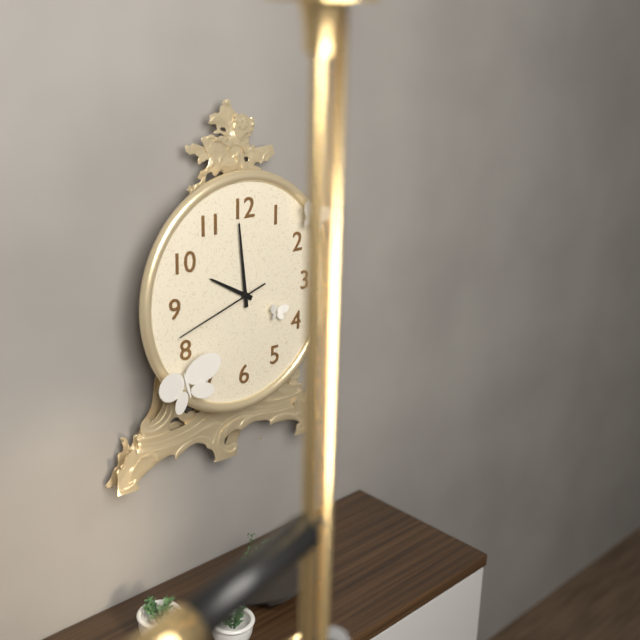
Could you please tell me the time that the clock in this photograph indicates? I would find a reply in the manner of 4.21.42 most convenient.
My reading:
9.59.42
